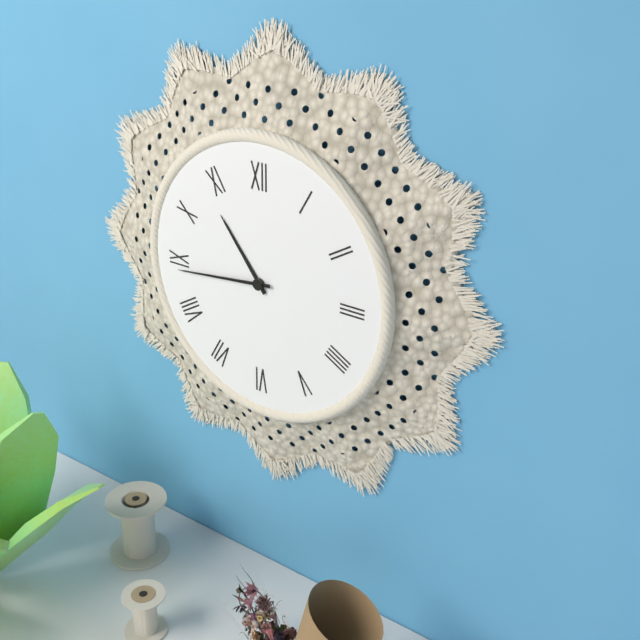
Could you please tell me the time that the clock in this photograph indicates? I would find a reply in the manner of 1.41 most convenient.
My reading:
10.44
